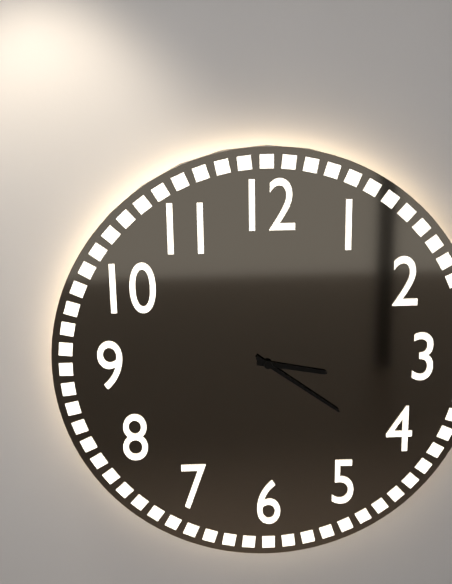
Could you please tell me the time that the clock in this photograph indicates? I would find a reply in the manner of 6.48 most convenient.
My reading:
3.21
